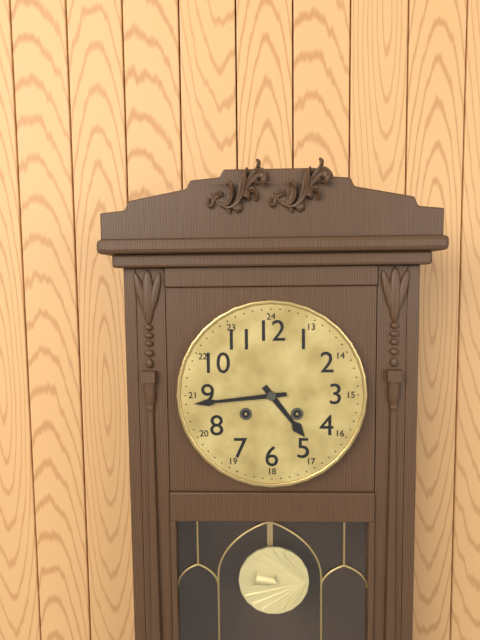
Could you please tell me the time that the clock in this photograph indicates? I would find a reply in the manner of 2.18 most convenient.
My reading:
4.44
